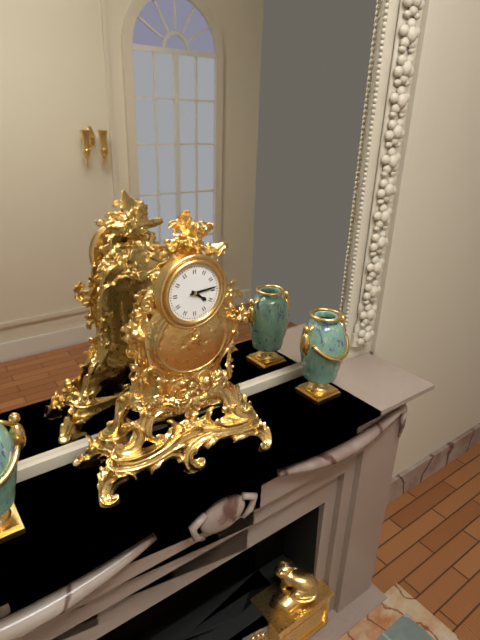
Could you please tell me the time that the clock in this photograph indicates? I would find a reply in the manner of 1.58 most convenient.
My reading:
4.14
